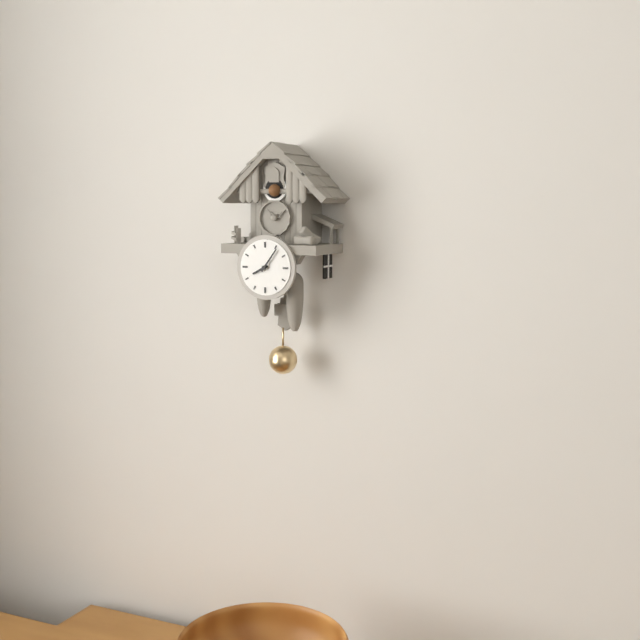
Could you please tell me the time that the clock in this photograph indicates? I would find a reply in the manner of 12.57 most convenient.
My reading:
8.06
